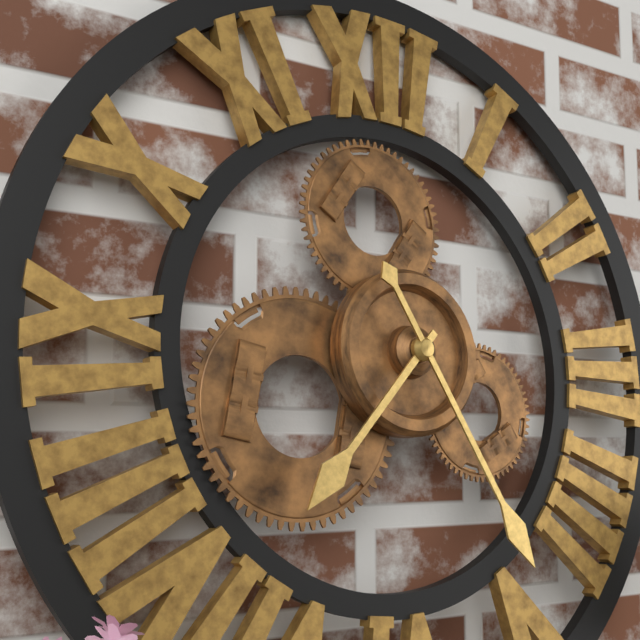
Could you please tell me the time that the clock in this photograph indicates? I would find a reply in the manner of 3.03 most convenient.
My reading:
7.25
